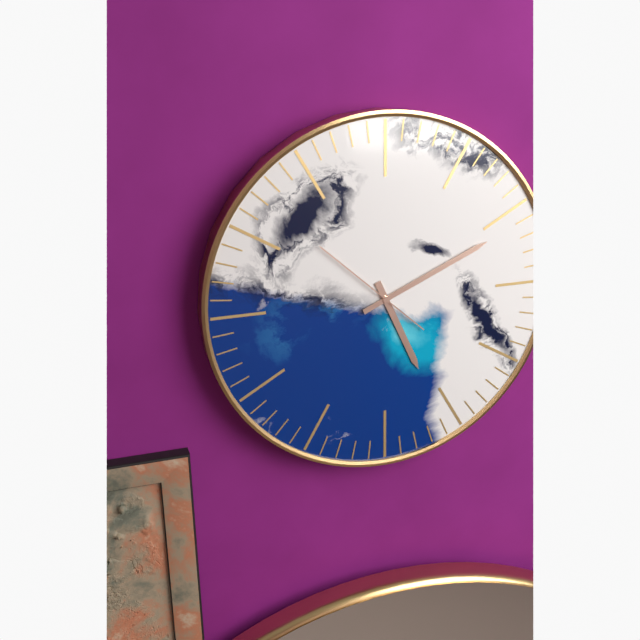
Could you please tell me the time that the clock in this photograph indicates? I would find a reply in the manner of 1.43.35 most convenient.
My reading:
5.11.52
